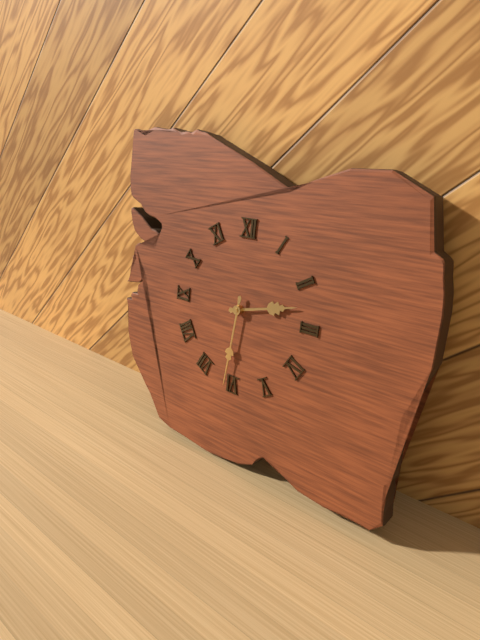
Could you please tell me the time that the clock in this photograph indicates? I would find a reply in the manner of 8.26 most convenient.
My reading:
2.31
